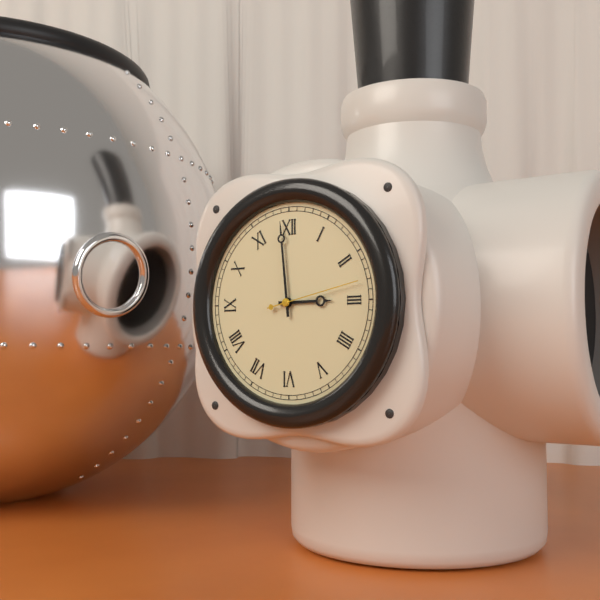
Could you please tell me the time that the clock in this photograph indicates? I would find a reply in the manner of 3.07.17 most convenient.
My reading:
2.59.13
